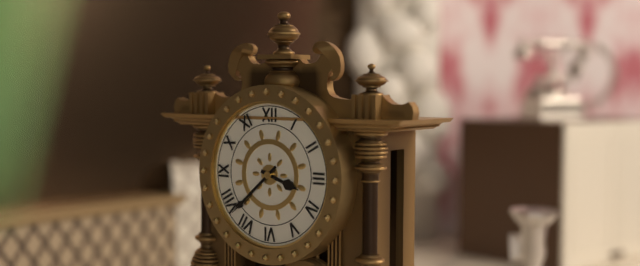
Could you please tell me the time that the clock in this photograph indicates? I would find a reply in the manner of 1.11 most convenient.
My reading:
3.38
